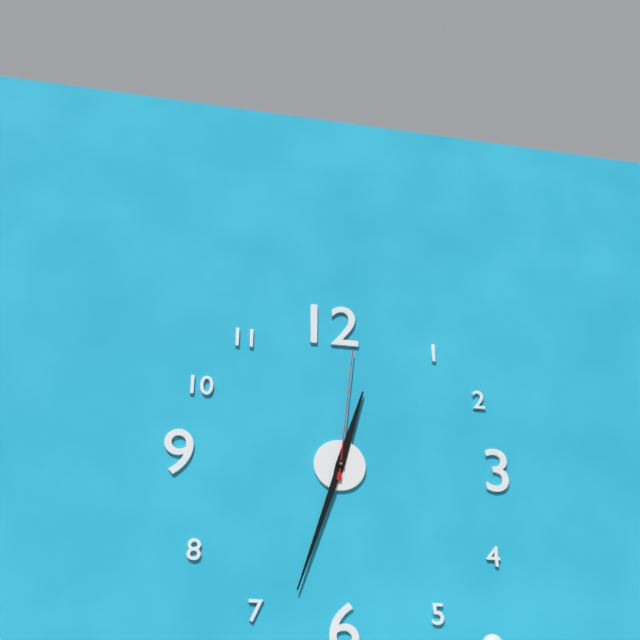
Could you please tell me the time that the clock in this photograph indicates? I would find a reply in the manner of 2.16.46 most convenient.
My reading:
12.33.01
